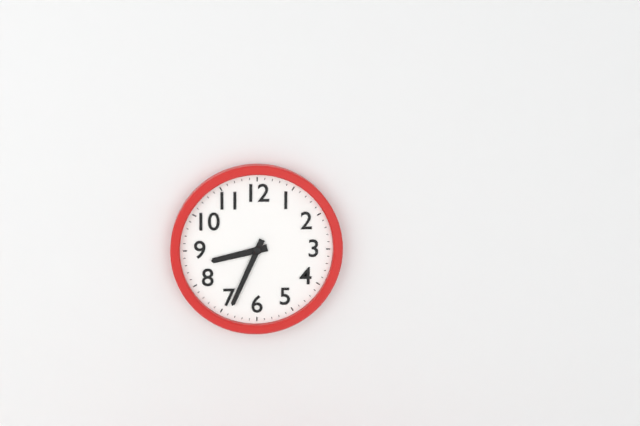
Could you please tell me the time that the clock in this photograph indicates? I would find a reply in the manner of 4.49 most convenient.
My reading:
8.34
